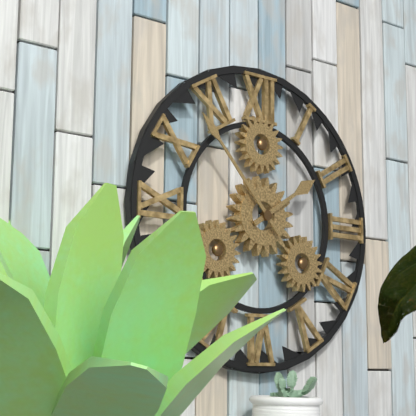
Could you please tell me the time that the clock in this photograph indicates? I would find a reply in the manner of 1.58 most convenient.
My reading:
1.53
